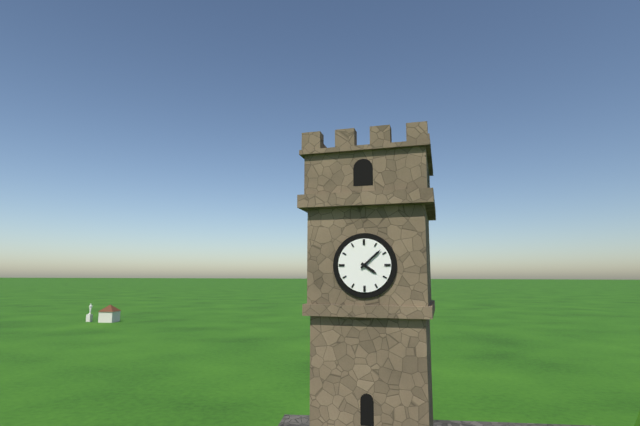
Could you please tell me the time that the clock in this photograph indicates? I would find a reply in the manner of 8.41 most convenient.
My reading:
4.08
